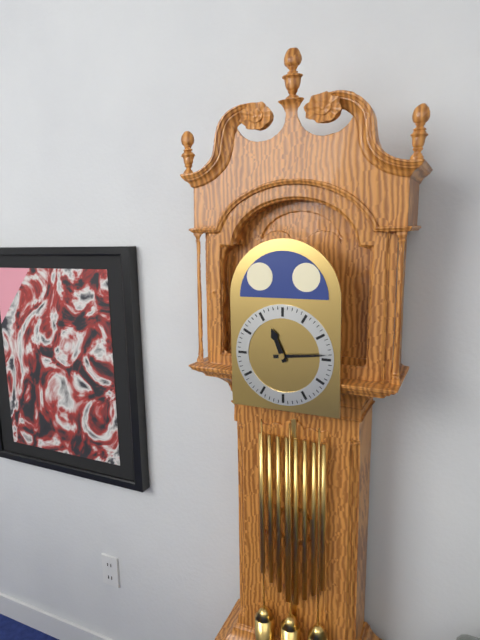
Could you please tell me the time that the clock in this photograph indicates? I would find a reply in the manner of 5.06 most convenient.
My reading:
11.14
